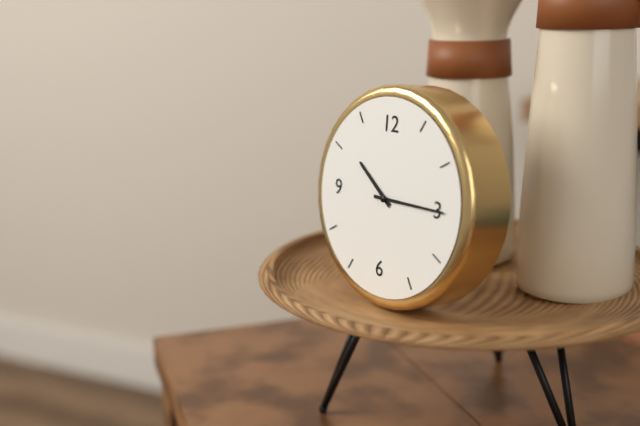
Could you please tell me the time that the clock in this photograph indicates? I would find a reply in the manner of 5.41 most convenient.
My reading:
10.15
